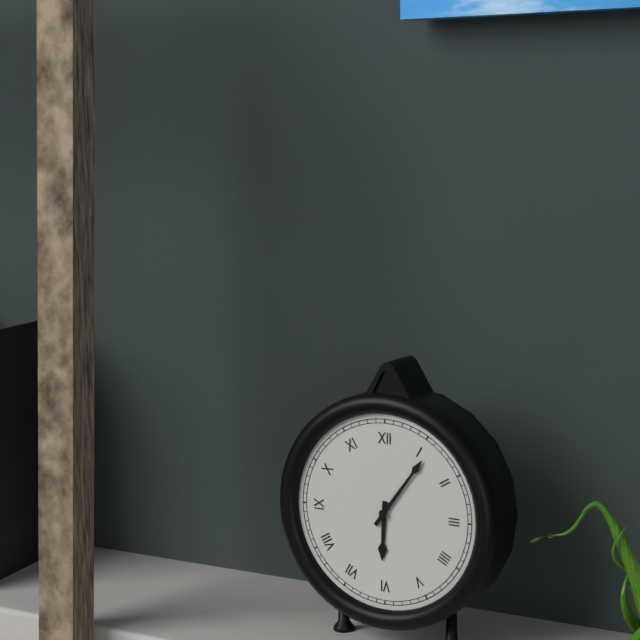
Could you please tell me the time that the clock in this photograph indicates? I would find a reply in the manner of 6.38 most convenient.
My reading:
6.06
